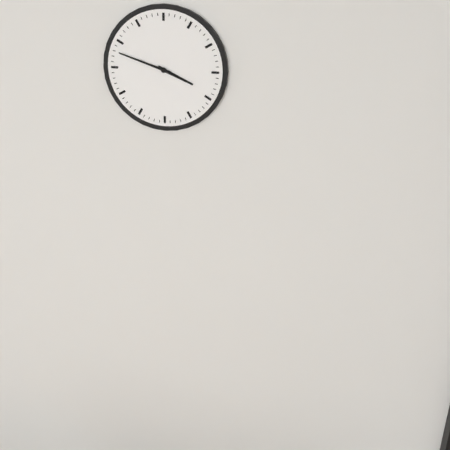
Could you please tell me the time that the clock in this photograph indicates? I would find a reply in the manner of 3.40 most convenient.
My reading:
3.48
